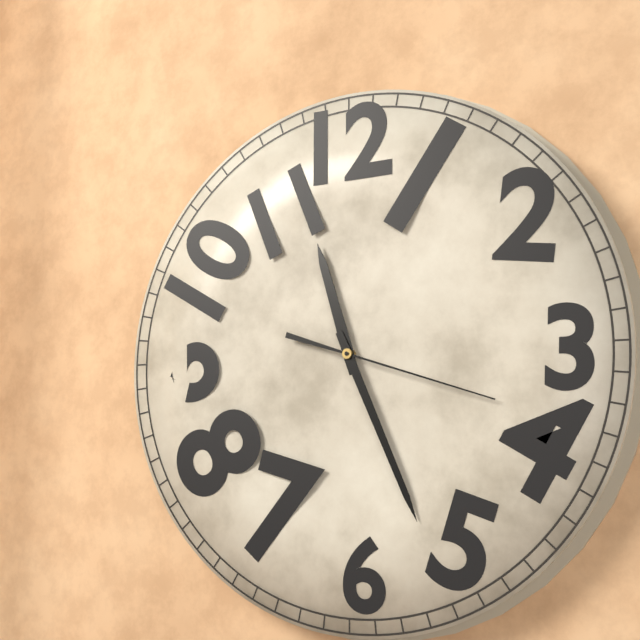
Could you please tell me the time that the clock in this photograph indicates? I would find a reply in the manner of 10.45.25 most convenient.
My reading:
11.26.18
